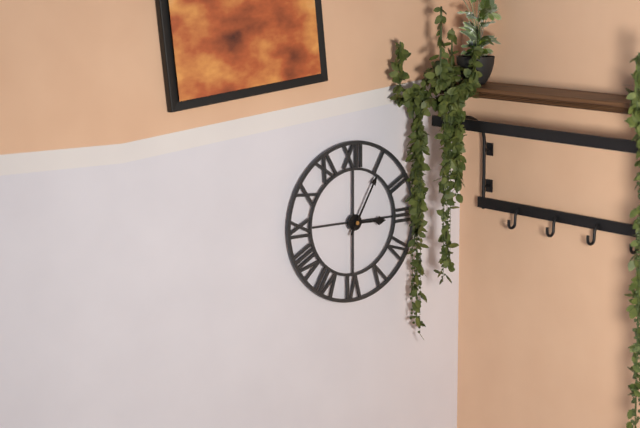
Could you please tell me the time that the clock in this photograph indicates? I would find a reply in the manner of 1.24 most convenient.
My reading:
3.05
